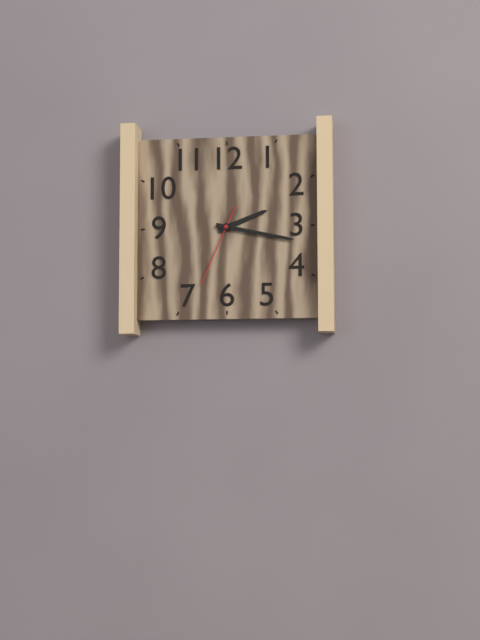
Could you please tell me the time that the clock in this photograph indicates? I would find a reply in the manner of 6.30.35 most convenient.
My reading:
2.17.34
